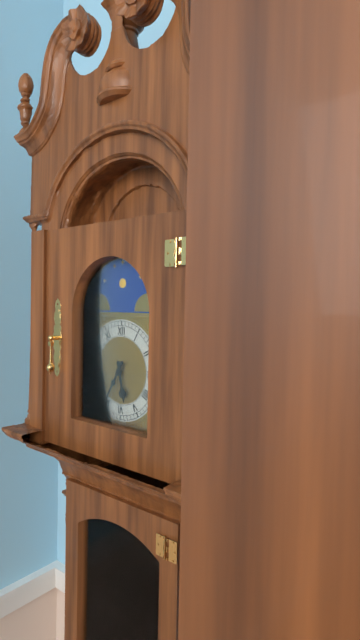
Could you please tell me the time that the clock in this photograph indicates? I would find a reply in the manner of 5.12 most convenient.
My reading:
5.35
